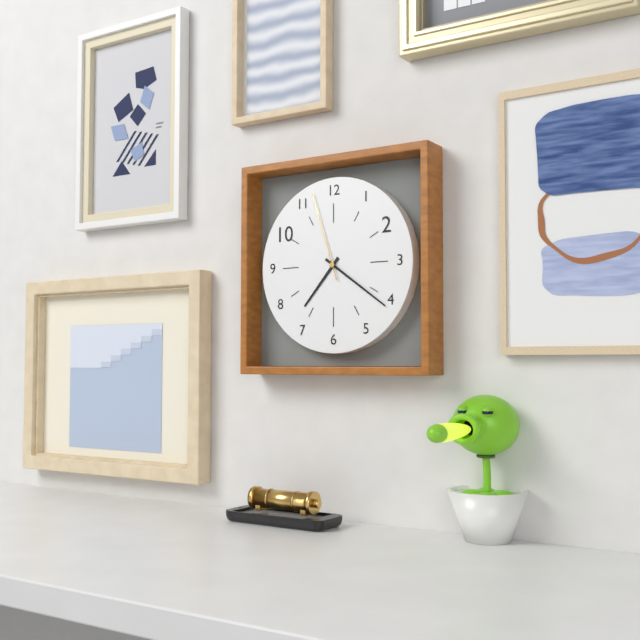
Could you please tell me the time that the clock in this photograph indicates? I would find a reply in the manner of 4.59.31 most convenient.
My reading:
7.21.57
